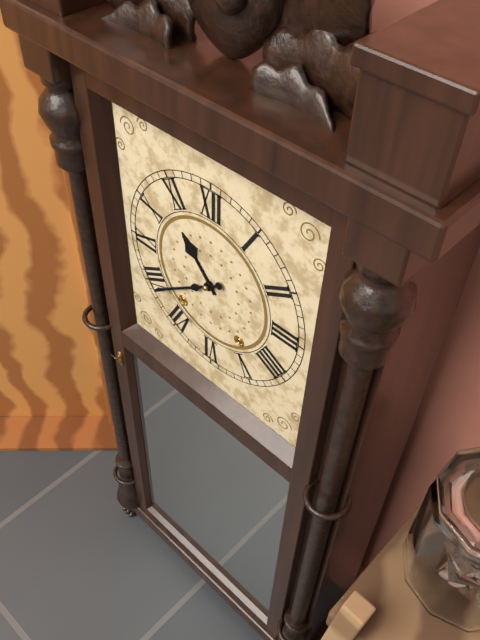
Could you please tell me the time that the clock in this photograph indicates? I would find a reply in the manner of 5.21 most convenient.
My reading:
10.39
